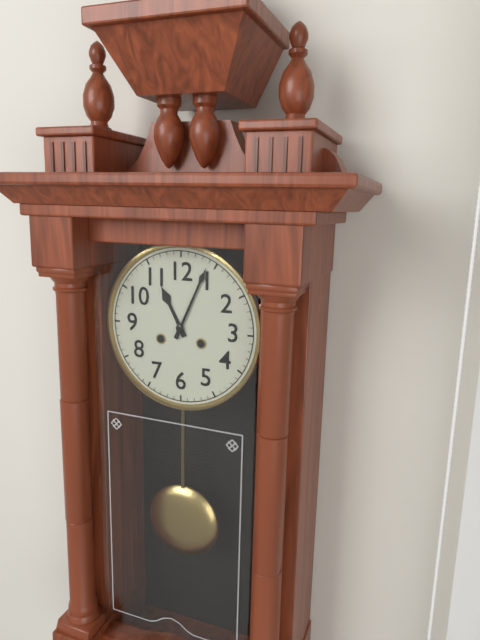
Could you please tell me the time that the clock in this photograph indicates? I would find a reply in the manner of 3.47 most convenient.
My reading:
11.04
